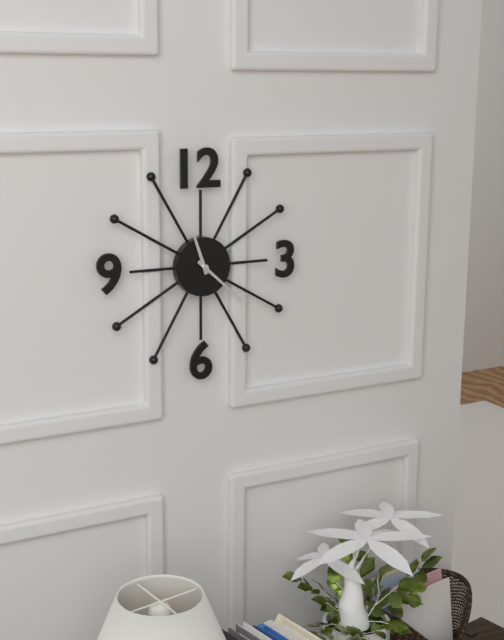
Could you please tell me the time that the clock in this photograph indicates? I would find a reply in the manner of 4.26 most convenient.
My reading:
11.22
